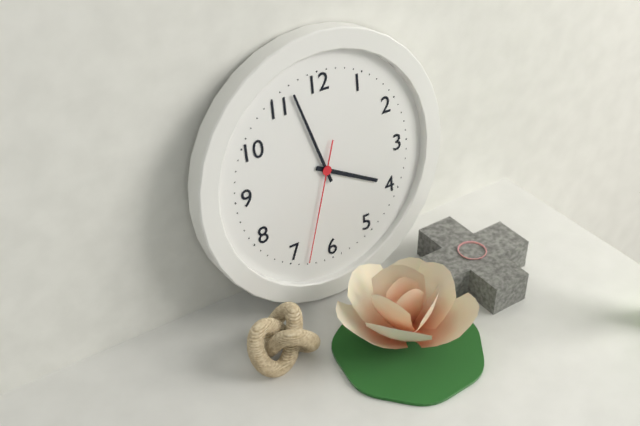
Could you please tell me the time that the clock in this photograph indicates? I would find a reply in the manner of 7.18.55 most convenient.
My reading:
3.57.33
